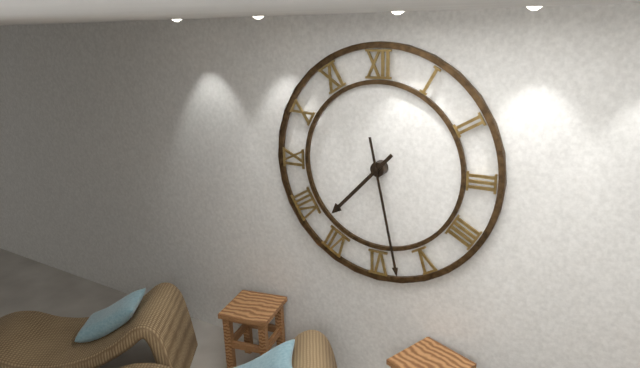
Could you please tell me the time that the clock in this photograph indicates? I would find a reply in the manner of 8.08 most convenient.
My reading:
7.28
